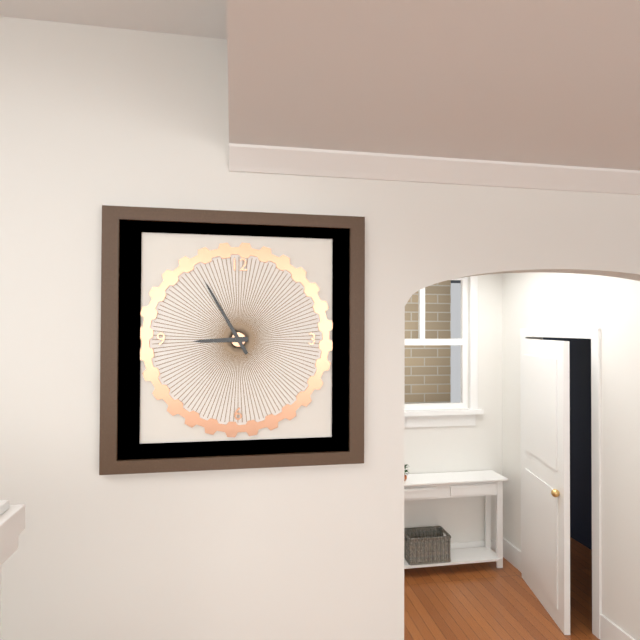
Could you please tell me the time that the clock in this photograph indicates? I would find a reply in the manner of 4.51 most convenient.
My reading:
8.55
